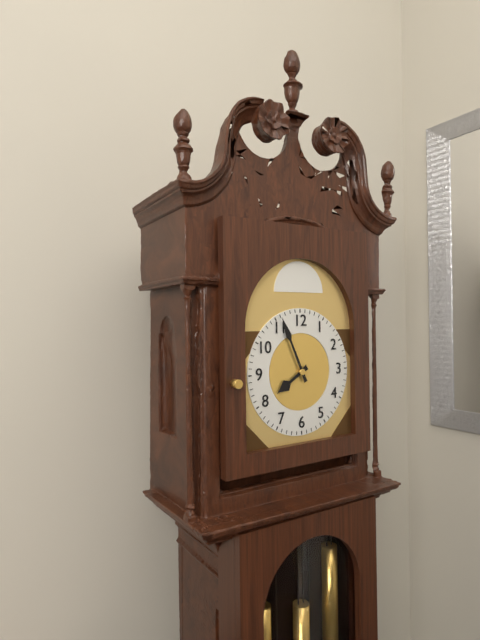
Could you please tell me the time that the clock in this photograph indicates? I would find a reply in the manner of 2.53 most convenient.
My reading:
7.56
